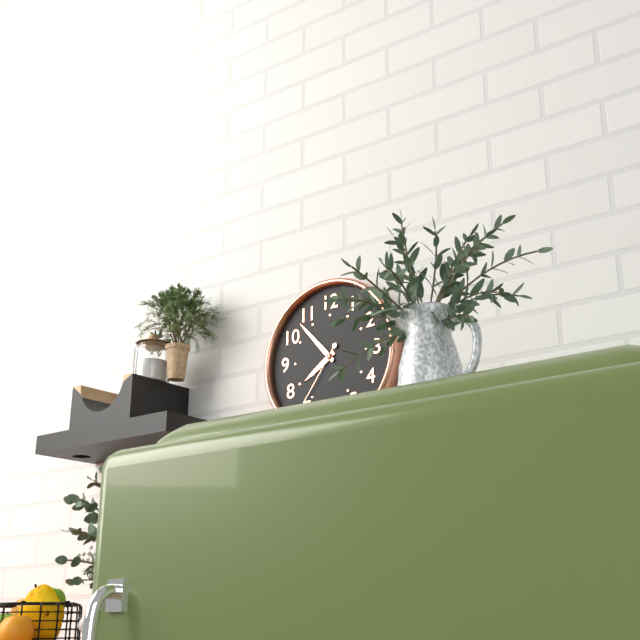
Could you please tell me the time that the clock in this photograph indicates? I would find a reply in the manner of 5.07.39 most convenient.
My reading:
7.53.36
